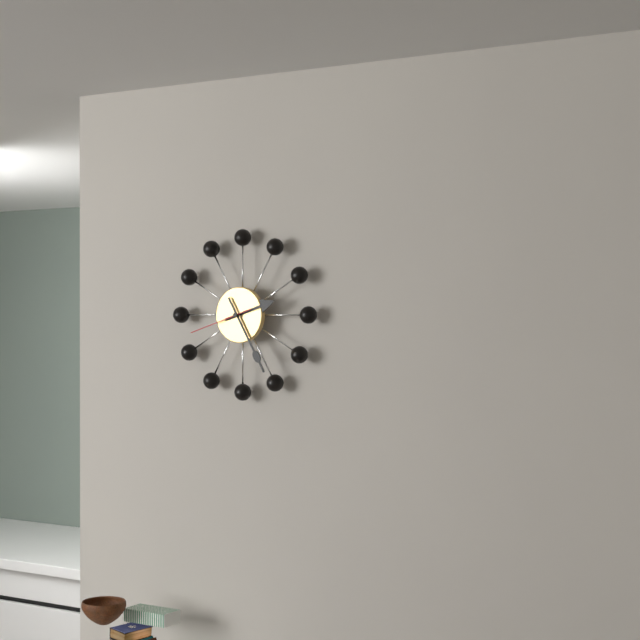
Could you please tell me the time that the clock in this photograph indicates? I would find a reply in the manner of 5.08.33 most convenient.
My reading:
2.25.42
